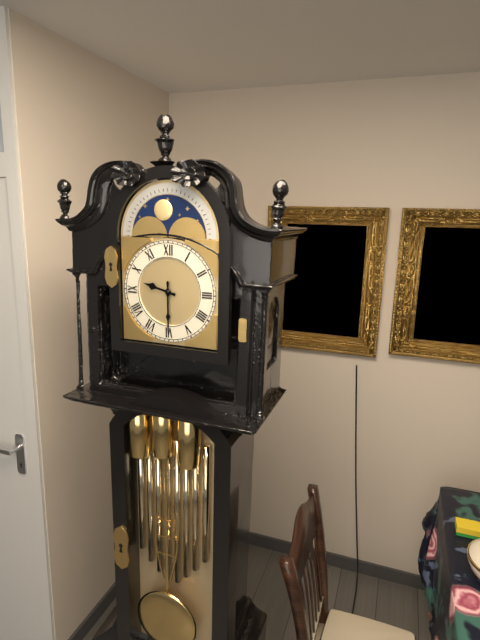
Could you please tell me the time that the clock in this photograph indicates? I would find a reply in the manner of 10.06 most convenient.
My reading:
9.30
